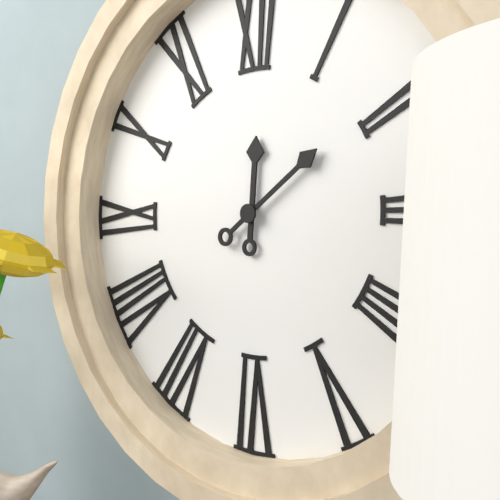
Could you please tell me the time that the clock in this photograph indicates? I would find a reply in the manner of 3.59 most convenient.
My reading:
12.09
